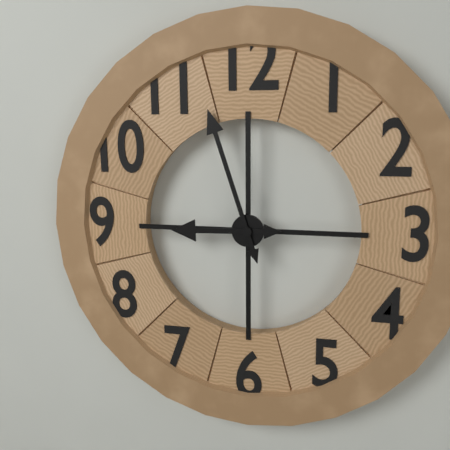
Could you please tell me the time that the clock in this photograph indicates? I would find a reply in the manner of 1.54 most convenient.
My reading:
8.57
